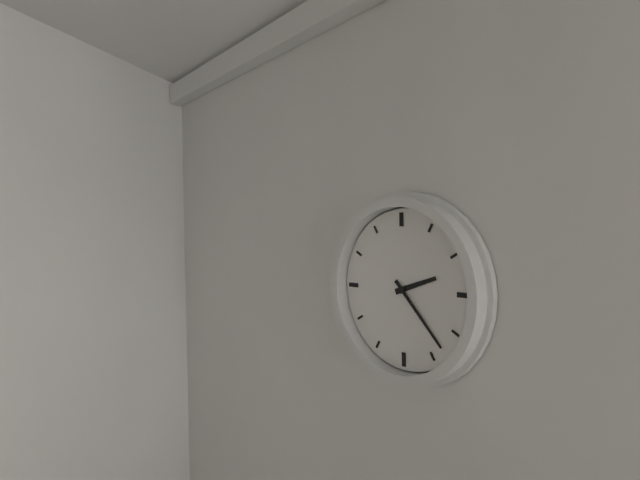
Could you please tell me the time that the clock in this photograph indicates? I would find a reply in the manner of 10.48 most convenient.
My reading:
2.23
